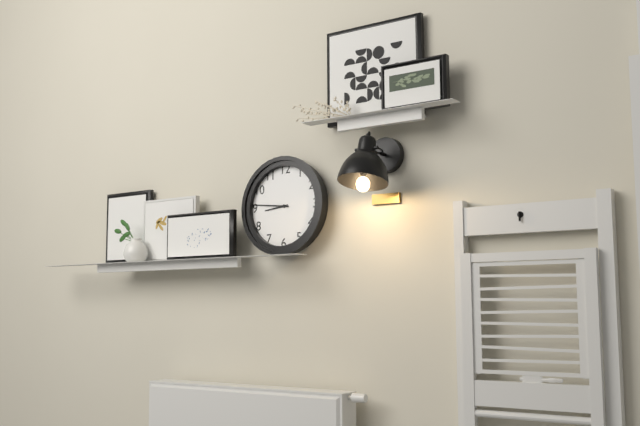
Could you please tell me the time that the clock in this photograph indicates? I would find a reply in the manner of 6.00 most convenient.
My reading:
8.46
